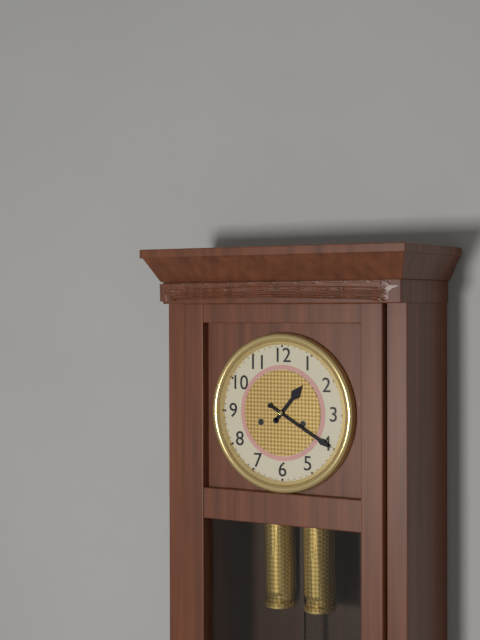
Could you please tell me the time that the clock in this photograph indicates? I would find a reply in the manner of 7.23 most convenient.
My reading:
1.20
